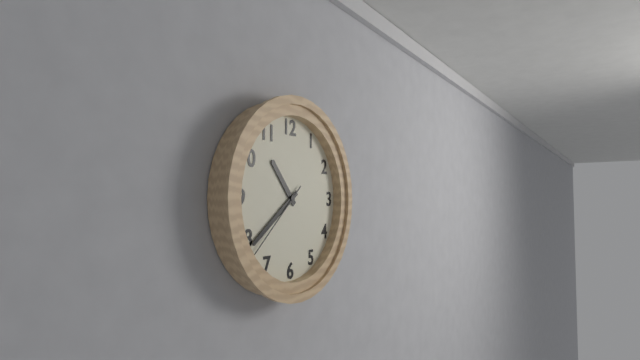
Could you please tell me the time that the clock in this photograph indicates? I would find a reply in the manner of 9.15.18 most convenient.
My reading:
10.39.38
